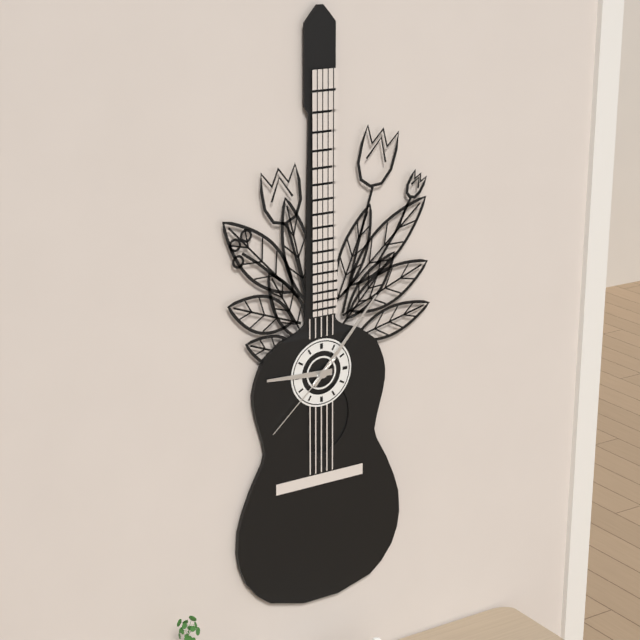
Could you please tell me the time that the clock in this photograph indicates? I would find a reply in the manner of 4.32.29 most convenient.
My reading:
9.07.38
